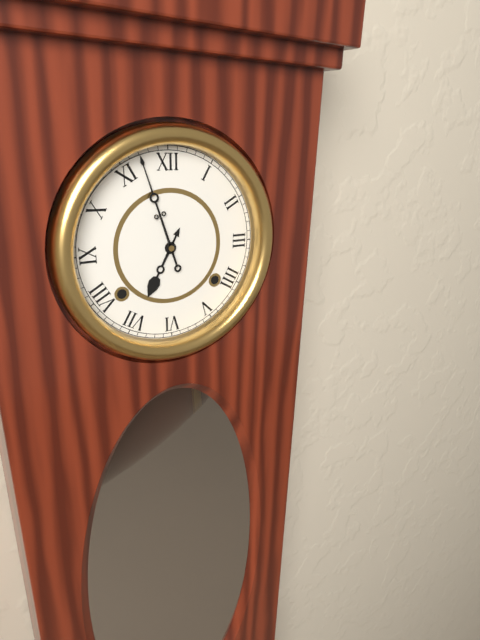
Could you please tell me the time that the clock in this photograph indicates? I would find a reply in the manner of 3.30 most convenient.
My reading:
6.57
